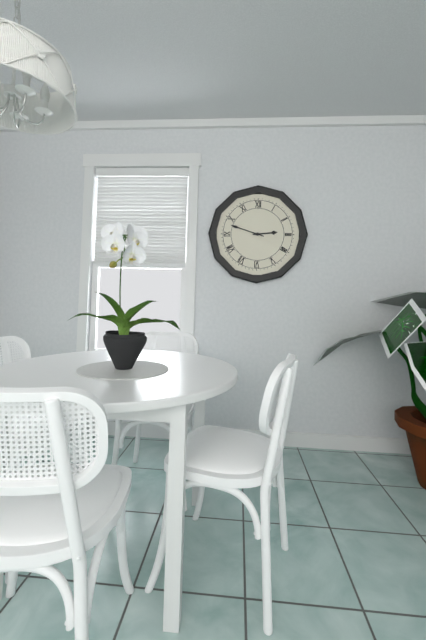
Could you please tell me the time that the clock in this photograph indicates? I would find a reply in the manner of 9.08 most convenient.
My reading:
2.48
